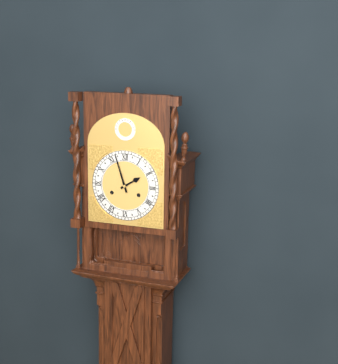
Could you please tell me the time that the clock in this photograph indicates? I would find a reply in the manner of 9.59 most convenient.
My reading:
1.57
